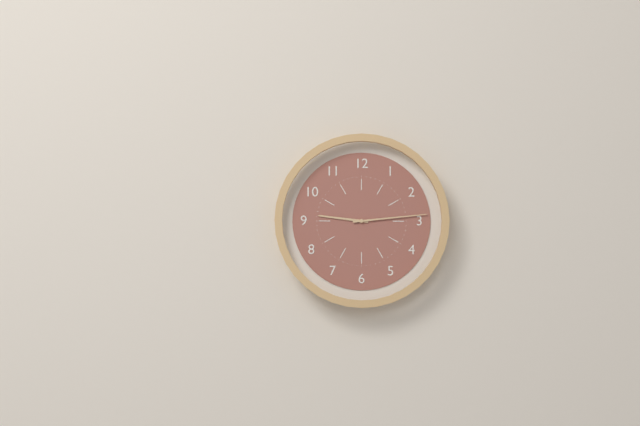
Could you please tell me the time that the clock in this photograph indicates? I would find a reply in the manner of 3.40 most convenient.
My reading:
9.14
